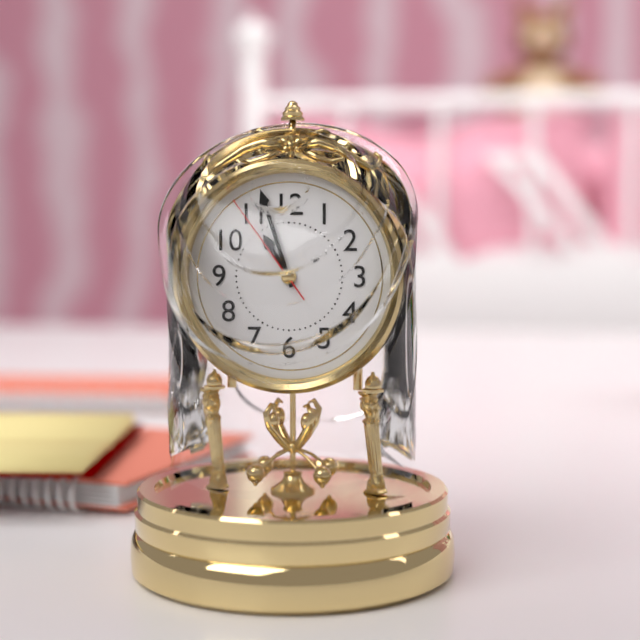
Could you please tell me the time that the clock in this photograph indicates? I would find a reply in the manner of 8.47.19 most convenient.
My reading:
10.57.54
